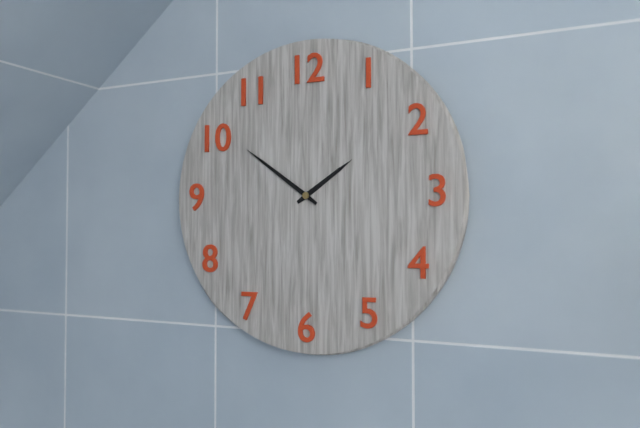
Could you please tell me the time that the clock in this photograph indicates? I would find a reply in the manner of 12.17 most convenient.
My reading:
1.51
